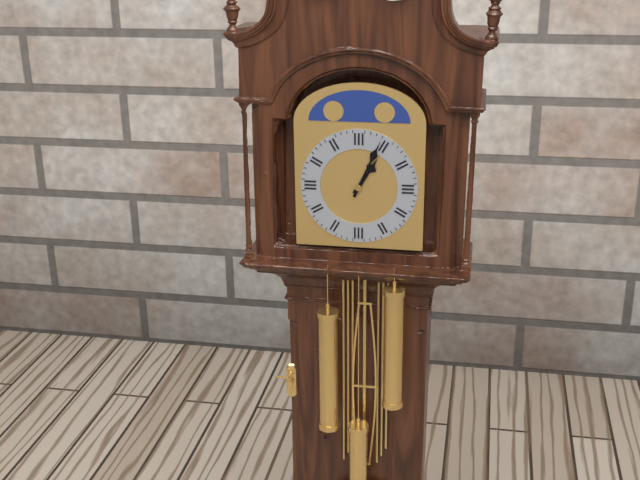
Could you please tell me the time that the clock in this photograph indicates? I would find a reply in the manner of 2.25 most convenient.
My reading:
1.04
